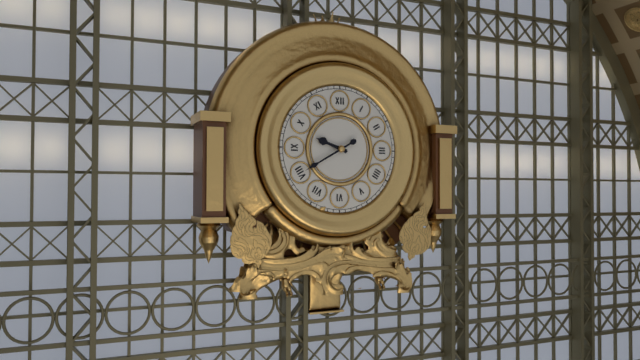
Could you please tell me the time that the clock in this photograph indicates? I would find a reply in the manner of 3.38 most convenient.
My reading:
9.40
